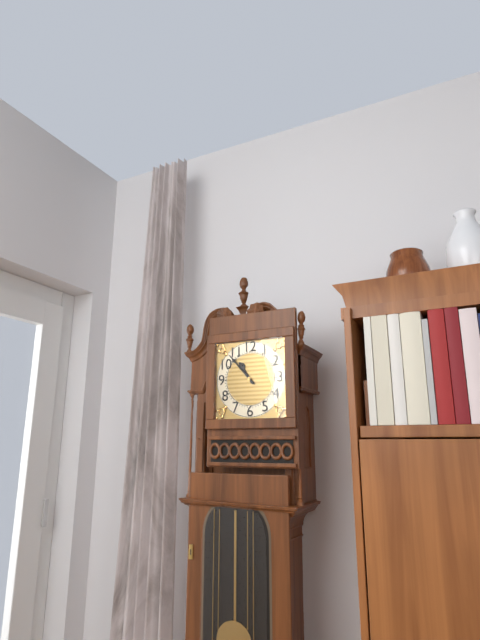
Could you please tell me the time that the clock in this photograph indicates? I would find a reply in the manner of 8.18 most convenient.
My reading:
10.53
